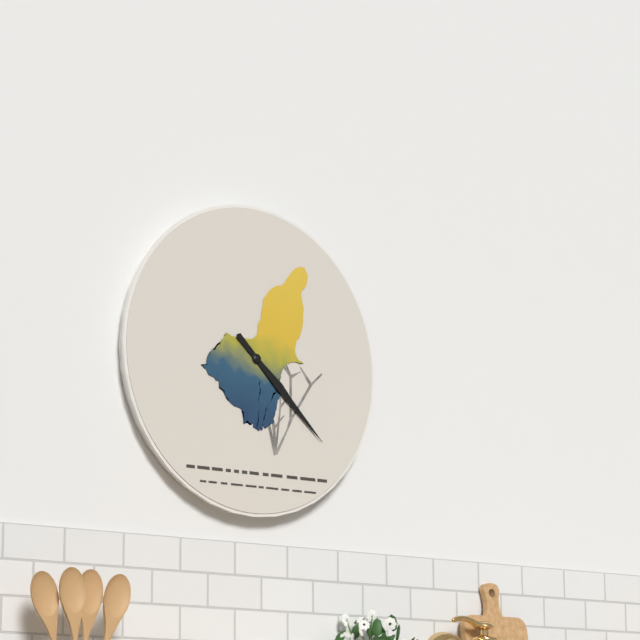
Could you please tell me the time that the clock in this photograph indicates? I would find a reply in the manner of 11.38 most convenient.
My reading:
4.22
